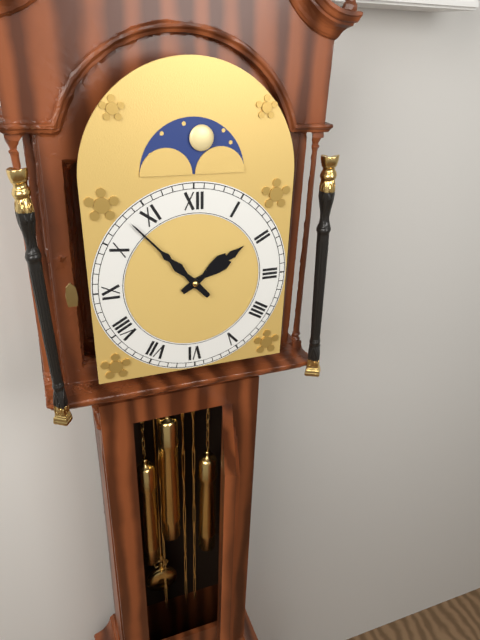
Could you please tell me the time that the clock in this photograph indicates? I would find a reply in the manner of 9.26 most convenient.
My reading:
1.53
